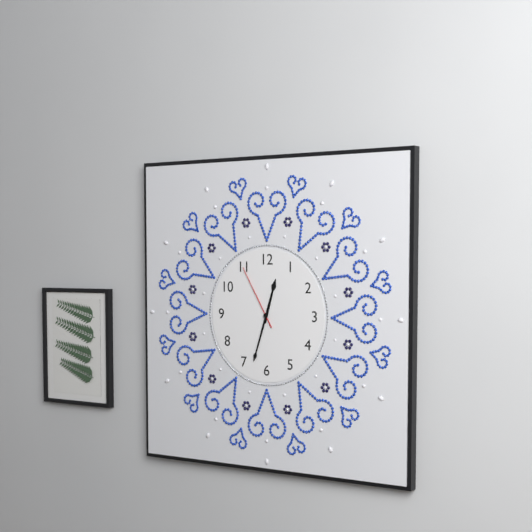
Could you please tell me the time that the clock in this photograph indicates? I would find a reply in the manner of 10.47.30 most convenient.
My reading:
12.33.55
